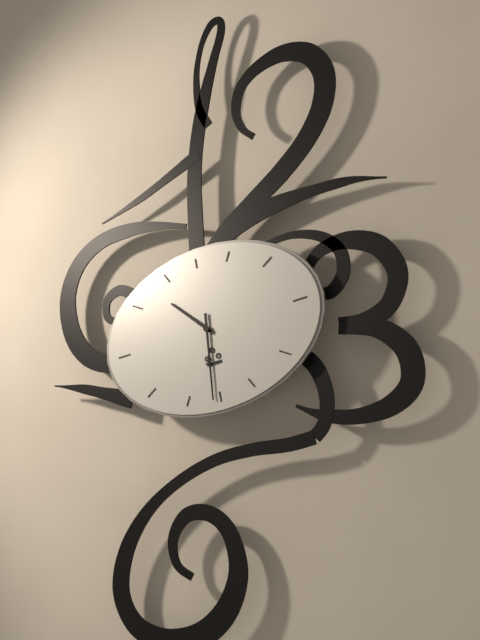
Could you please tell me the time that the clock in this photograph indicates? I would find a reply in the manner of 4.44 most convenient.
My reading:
10.31
